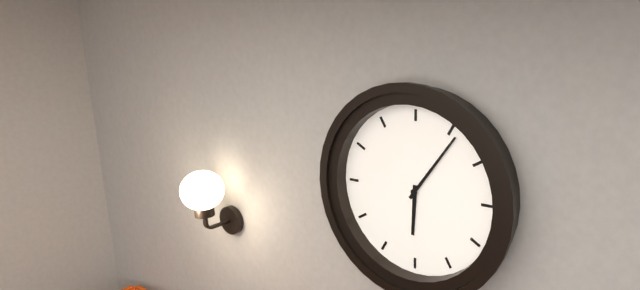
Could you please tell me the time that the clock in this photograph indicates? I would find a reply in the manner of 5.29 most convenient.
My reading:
6.06
